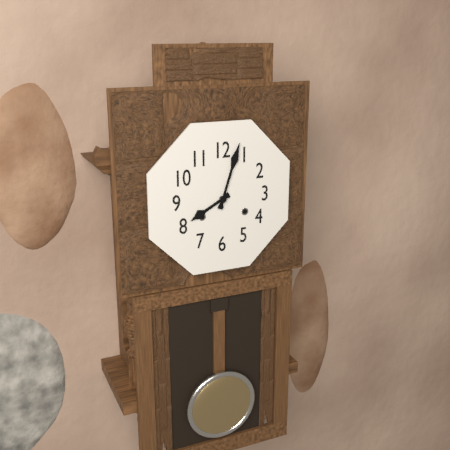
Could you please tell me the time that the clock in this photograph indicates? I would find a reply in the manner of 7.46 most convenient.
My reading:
8.03
